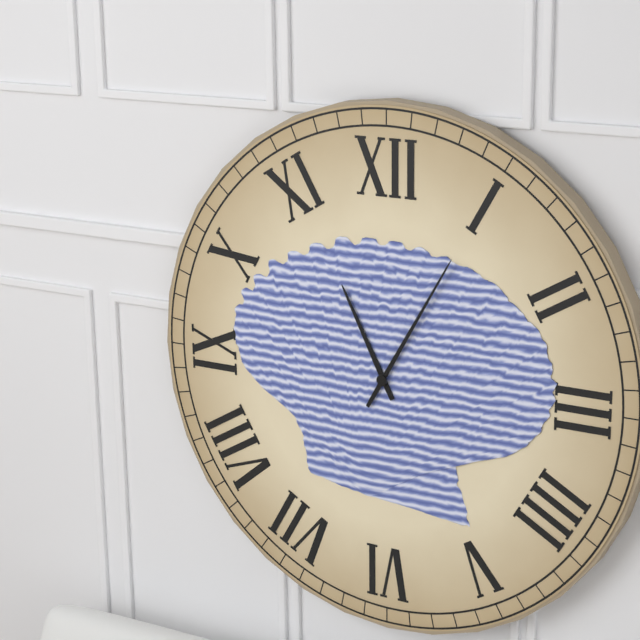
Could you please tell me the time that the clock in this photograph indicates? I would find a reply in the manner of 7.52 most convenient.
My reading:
11.05
